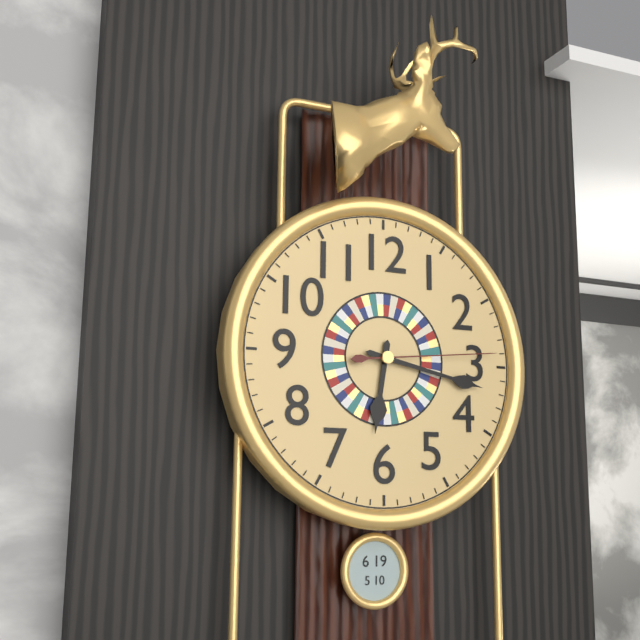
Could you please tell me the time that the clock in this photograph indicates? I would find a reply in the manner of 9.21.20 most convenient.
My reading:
6.17.14
